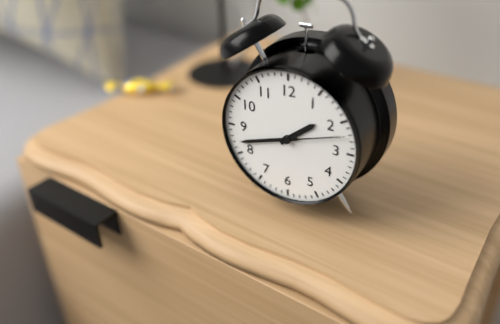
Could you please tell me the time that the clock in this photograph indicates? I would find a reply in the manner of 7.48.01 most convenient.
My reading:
1.42.12
